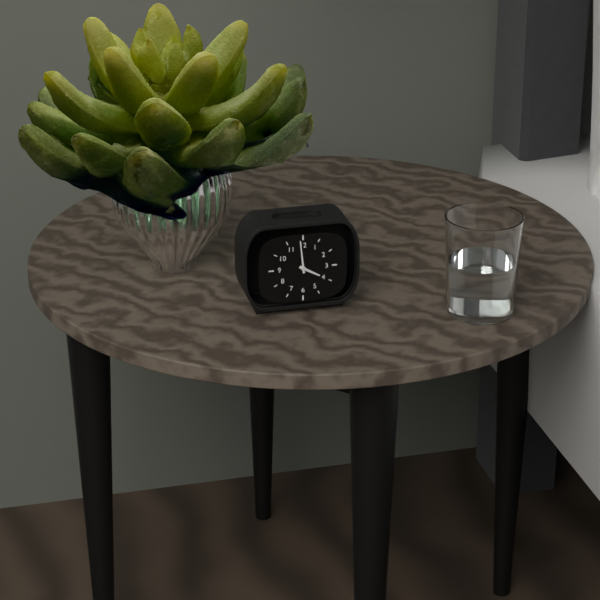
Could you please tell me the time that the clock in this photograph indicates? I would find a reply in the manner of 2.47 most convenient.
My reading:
3.59
